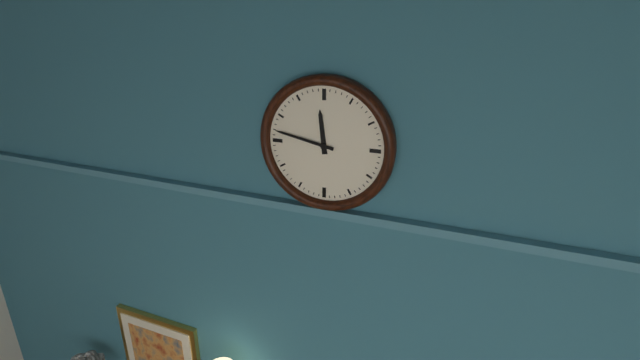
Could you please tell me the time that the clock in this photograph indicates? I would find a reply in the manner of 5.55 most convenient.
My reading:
11.47
